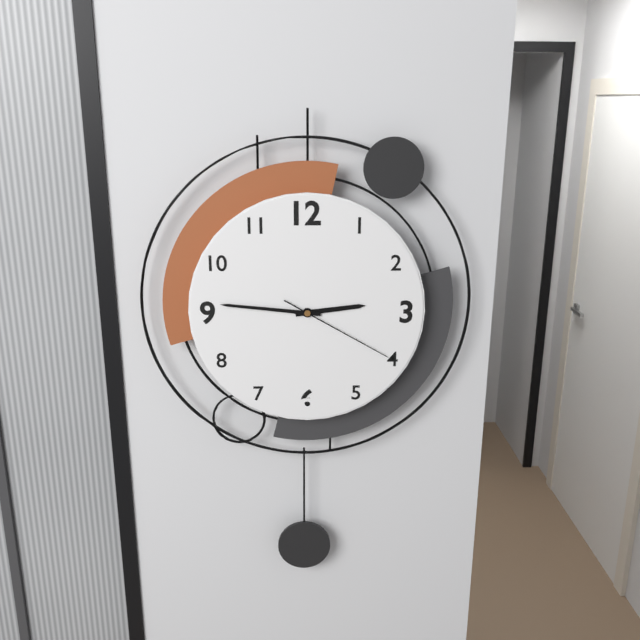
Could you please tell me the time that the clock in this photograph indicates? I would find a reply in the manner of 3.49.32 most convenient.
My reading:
2.46.20
